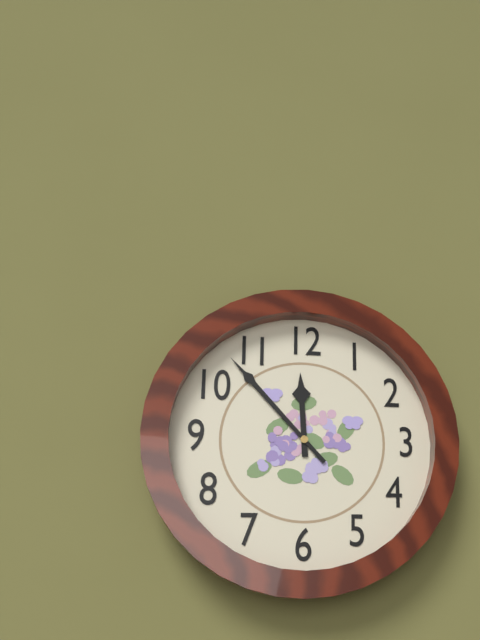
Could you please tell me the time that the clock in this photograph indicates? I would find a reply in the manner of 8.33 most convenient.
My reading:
11.53
